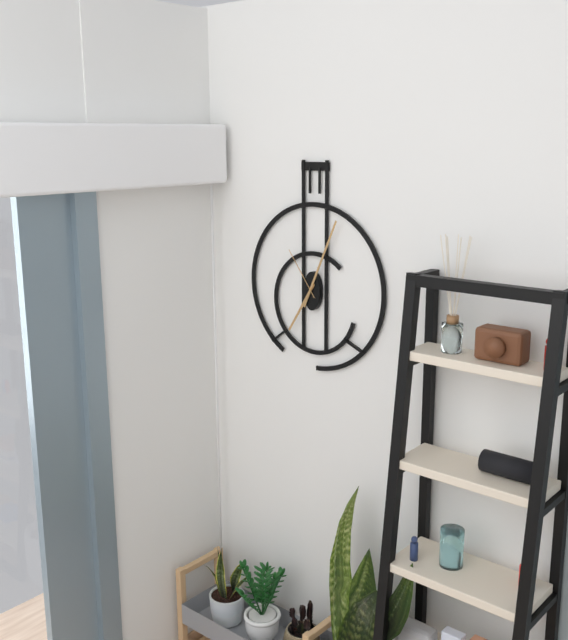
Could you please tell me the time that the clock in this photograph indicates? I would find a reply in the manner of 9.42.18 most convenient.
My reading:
7.04.54
